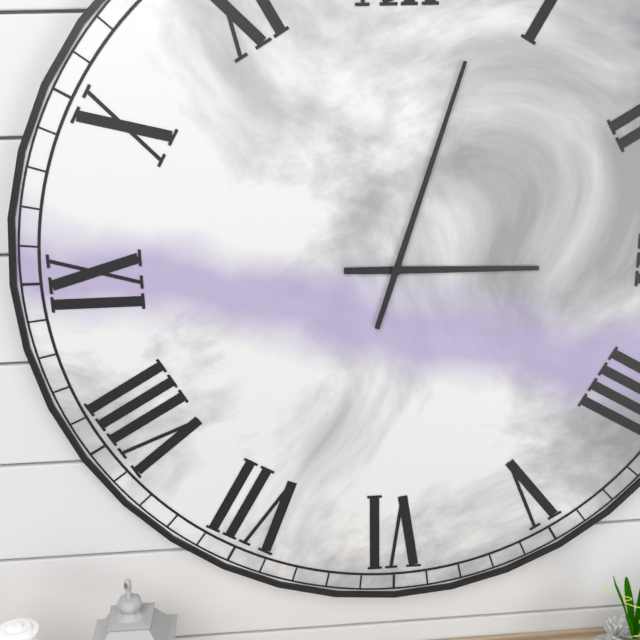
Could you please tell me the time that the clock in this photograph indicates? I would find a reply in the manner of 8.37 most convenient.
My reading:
3.03
